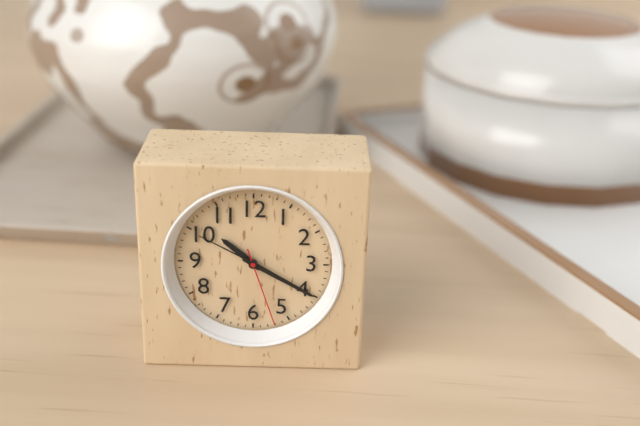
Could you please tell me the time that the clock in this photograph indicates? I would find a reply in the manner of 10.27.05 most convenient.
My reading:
10.20.27
